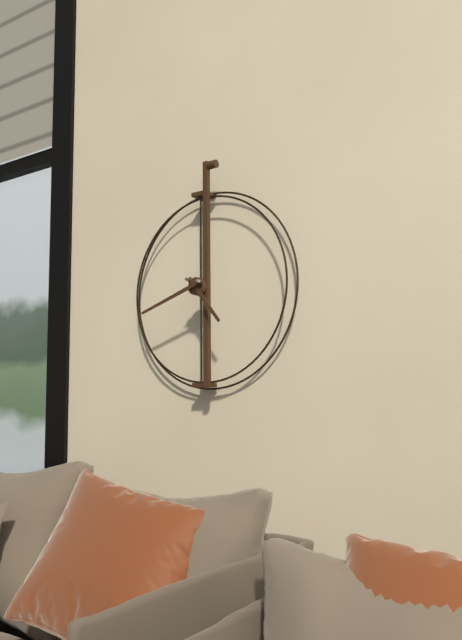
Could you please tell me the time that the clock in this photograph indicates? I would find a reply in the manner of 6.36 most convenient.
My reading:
4.42
